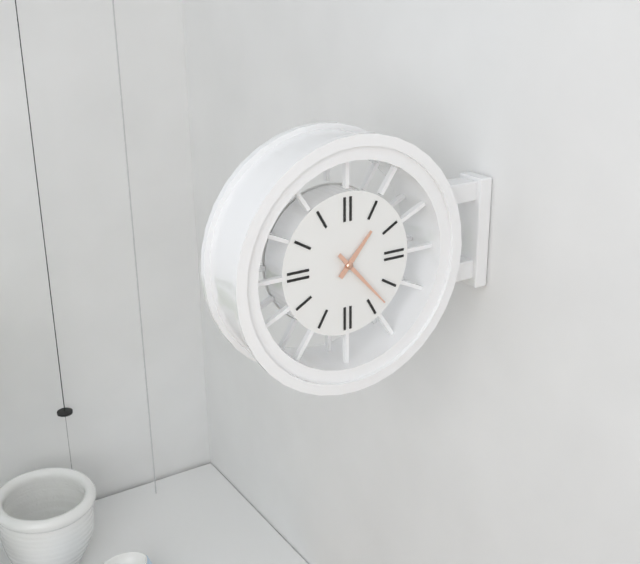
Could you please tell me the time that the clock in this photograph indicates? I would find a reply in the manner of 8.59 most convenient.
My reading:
1.23
